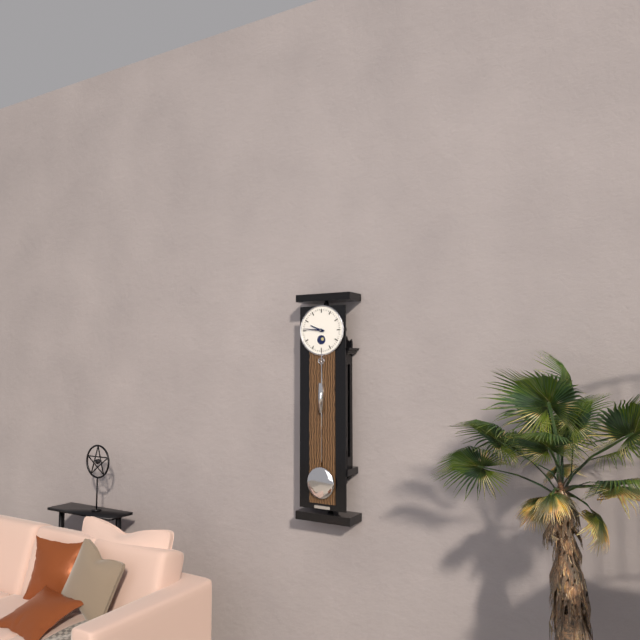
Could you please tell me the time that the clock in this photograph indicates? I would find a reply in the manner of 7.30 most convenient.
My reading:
9.46
